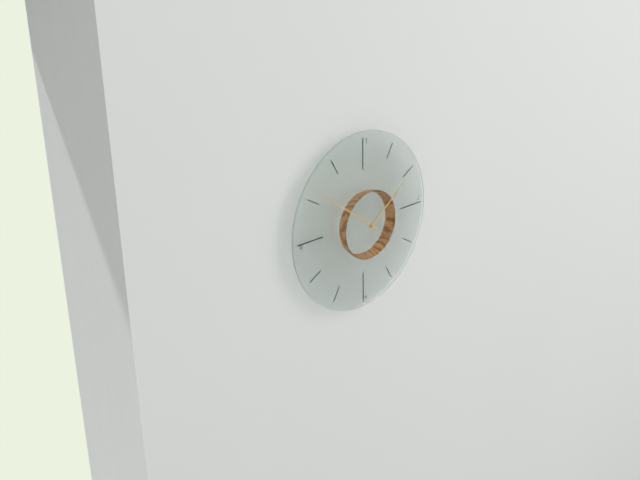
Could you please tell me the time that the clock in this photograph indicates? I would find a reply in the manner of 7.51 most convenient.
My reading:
1.51
